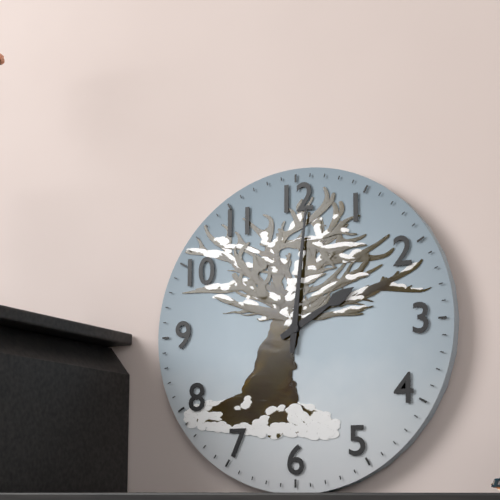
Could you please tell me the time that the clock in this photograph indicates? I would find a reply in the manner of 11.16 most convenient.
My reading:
2.01
